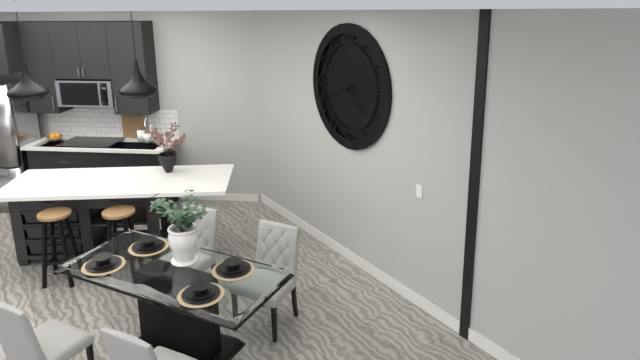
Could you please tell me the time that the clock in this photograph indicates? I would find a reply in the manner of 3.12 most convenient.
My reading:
4.42
